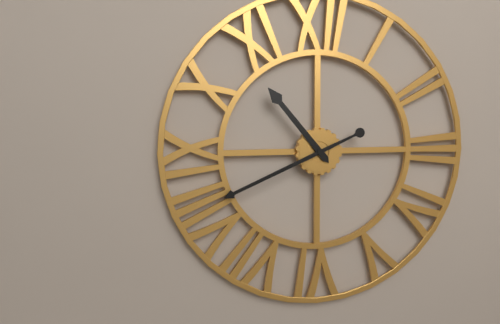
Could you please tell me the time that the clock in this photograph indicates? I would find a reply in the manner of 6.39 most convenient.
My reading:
10.41
